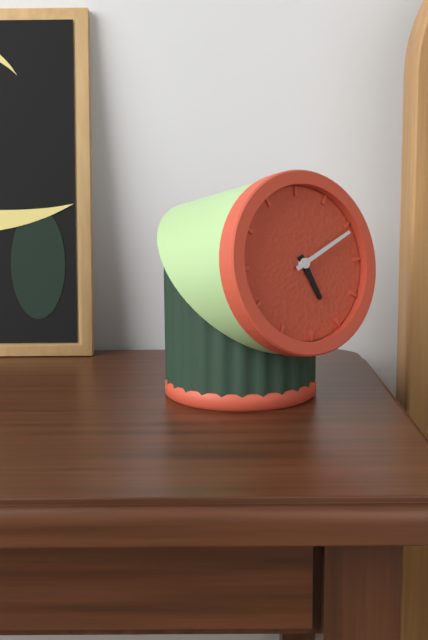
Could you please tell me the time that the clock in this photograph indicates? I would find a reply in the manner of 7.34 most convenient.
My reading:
5.11
